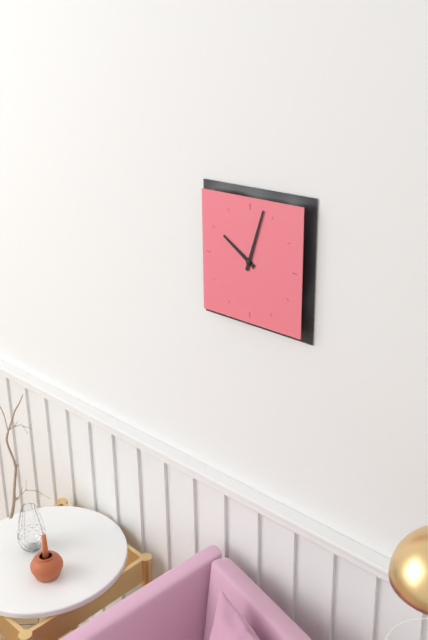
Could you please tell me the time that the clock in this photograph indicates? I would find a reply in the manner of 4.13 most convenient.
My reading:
10.03
